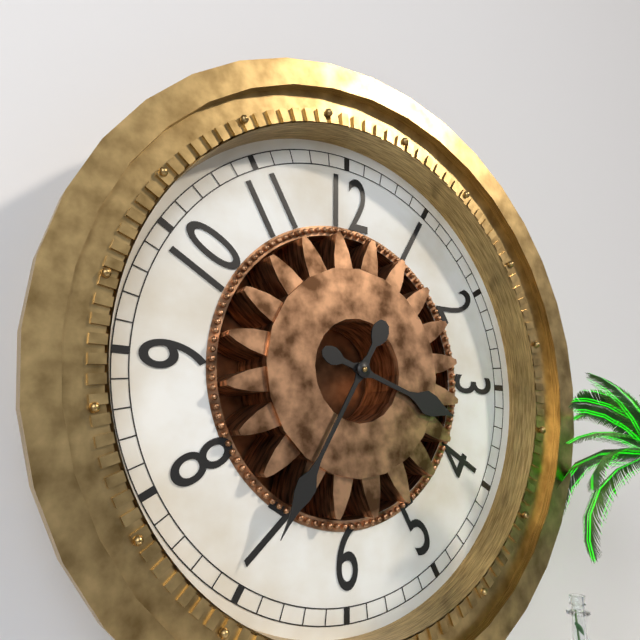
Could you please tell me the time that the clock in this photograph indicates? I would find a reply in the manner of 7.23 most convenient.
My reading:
3.35
